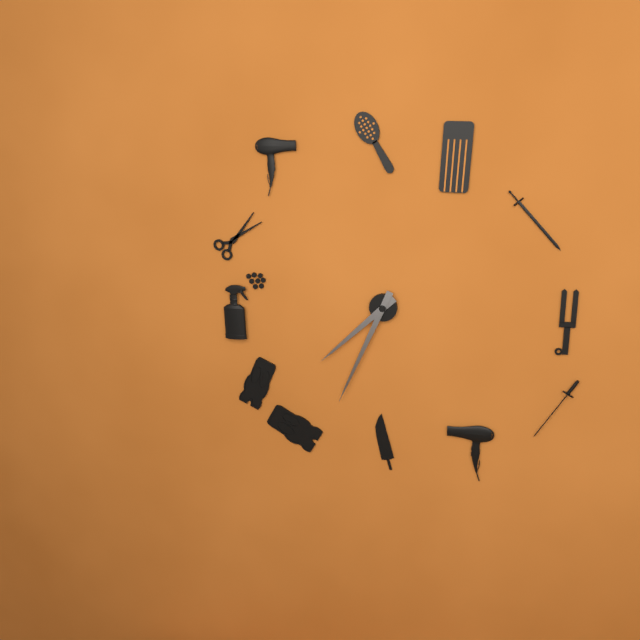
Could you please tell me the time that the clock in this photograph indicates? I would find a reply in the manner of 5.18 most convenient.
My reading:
7.34
